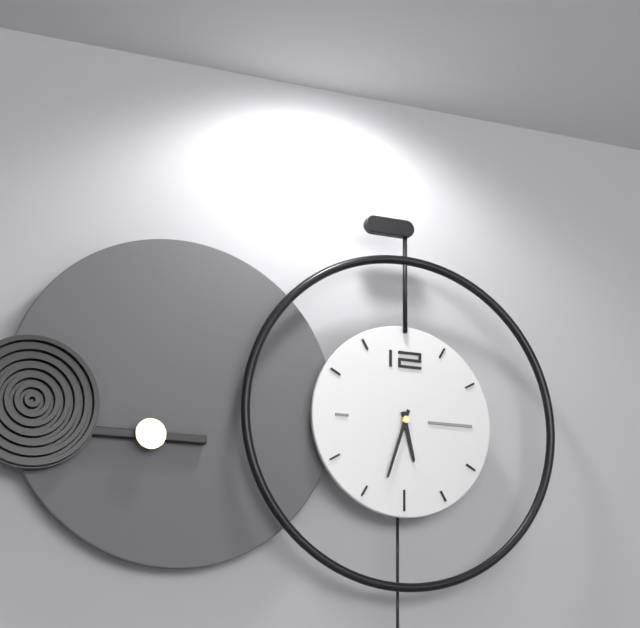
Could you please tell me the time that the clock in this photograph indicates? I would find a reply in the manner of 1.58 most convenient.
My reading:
5.33
